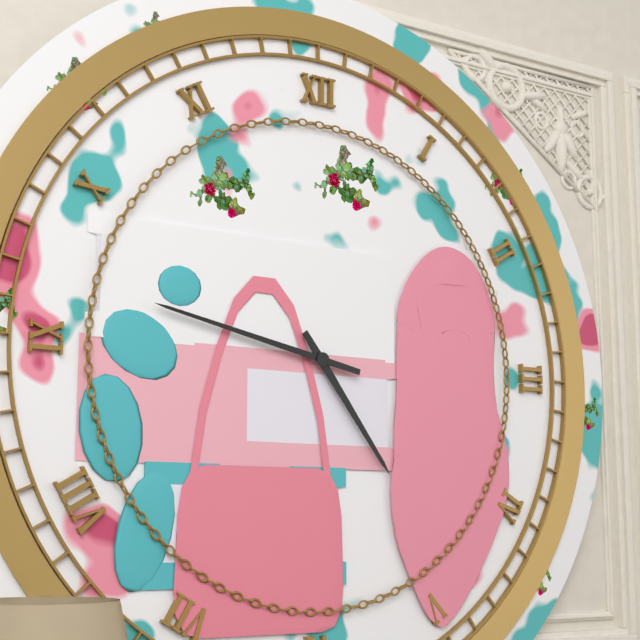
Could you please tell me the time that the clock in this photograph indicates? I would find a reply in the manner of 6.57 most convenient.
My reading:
4.47
